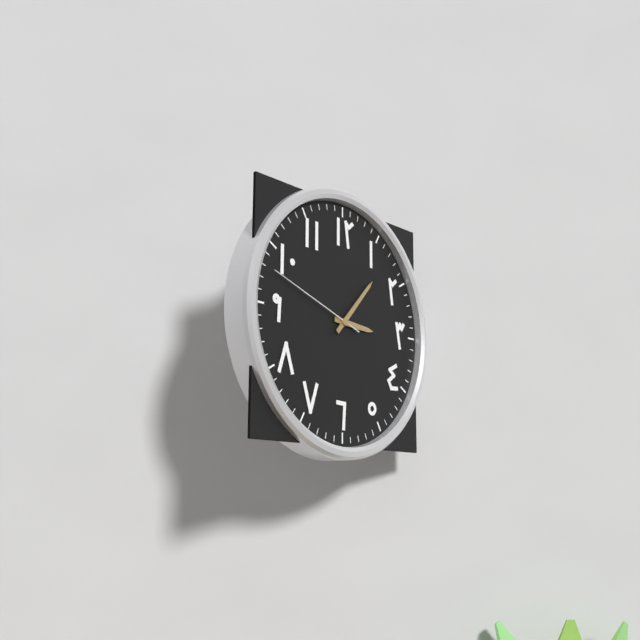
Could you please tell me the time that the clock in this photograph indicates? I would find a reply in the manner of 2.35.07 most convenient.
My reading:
3.07.48
